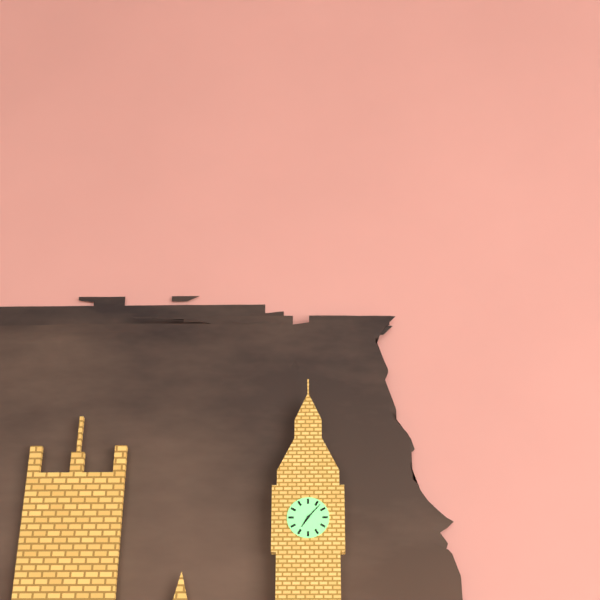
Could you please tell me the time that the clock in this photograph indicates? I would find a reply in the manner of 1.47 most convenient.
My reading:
7.07
